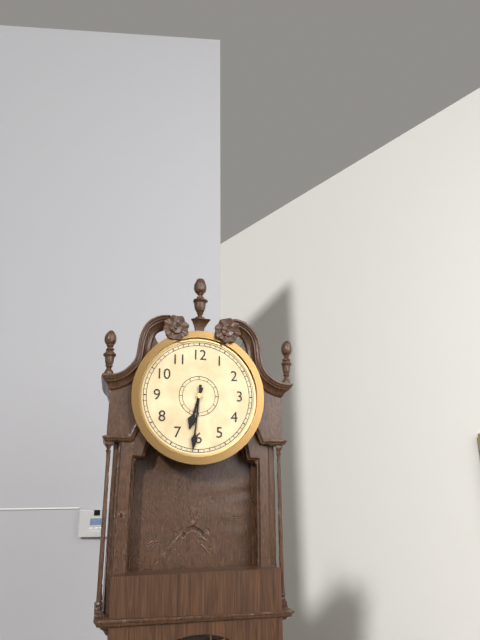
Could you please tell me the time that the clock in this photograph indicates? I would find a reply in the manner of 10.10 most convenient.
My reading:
6.31
